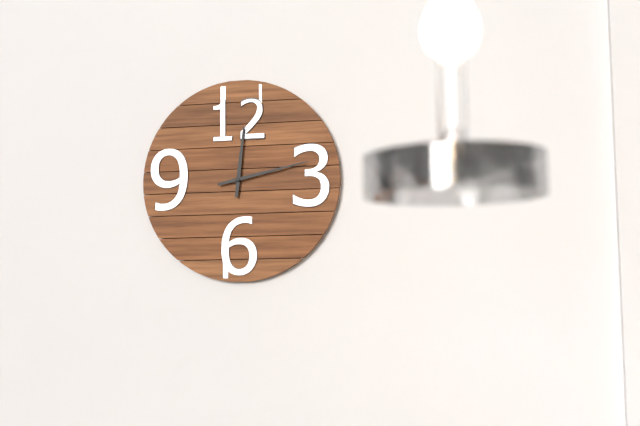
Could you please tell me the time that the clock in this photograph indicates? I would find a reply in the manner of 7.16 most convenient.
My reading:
12.13
